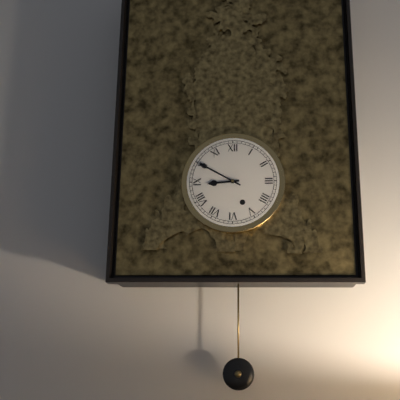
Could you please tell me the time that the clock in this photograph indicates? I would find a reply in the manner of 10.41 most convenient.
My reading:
8.50
